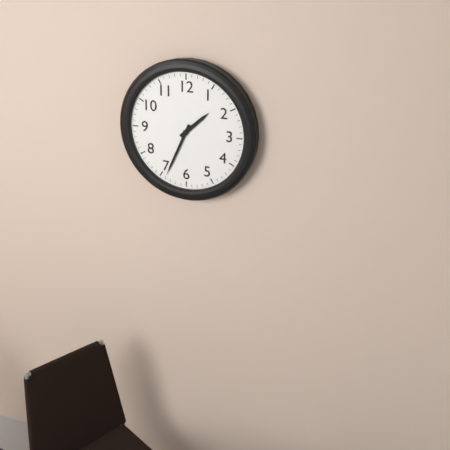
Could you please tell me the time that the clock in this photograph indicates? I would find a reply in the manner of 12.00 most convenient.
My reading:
1.34
